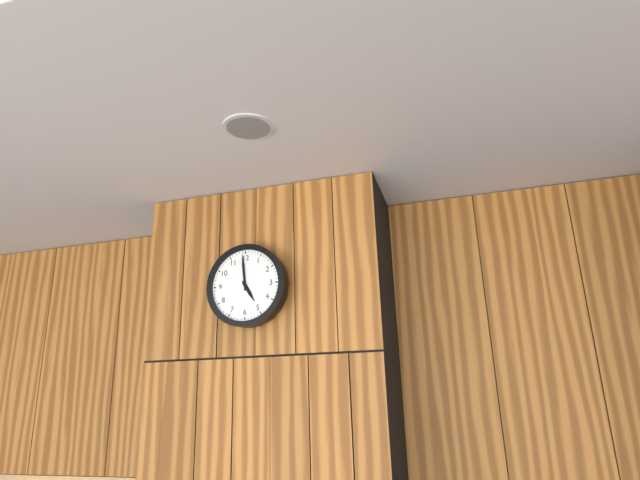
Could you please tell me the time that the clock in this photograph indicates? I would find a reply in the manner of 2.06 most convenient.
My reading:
4.59
